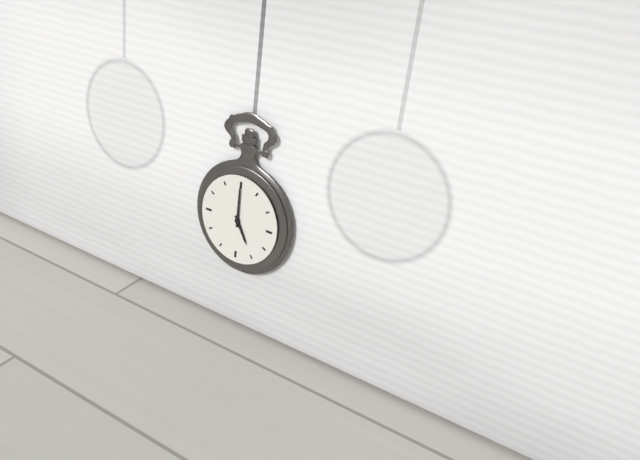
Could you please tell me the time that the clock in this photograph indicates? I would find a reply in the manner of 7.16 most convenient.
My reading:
5.00
